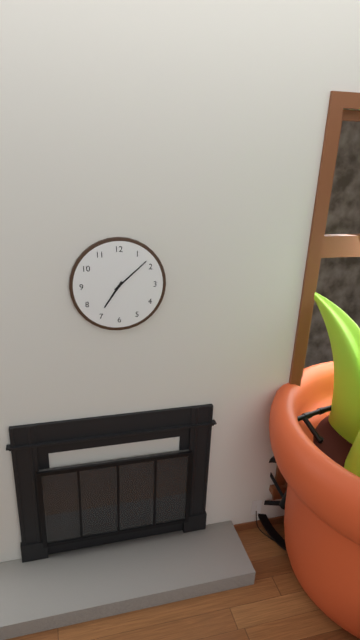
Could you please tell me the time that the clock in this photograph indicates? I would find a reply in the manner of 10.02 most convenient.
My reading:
7.08
